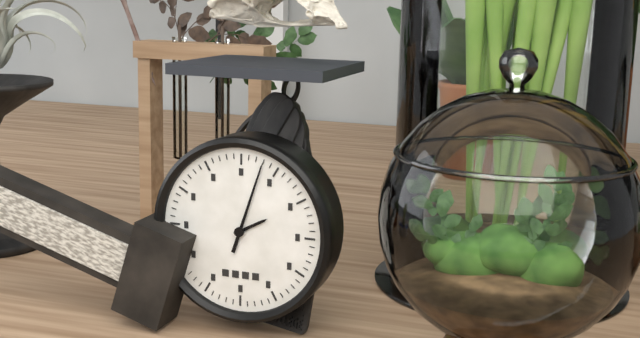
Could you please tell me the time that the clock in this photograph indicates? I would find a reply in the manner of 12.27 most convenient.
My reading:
2.03
